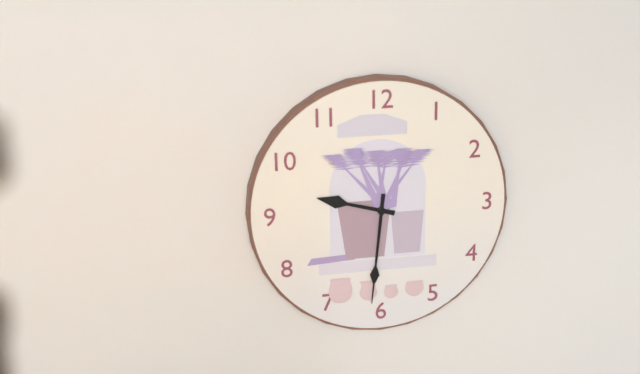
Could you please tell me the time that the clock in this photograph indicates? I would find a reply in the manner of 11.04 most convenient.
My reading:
9.31
